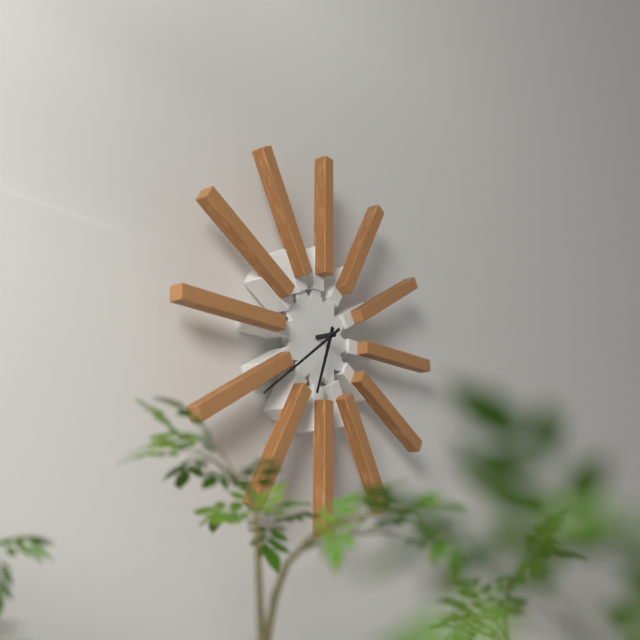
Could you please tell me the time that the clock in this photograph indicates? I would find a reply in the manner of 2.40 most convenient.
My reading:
6.39
